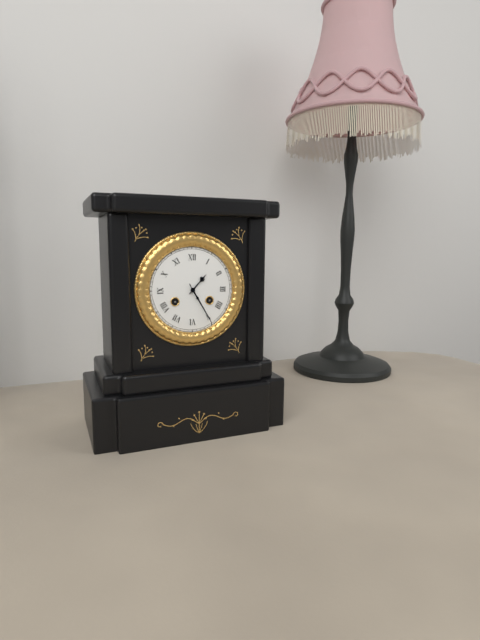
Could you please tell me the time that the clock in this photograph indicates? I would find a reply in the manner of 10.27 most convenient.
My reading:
1.25
